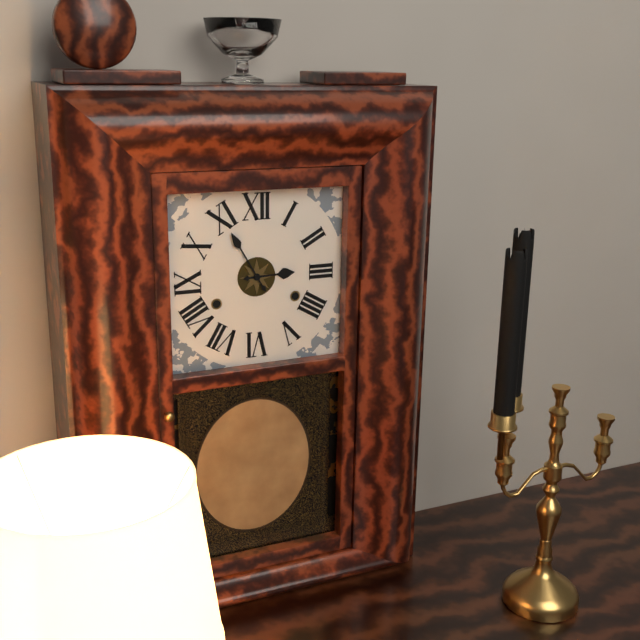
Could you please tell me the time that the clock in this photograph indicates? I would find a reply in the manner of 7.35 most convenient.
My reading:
2.55
